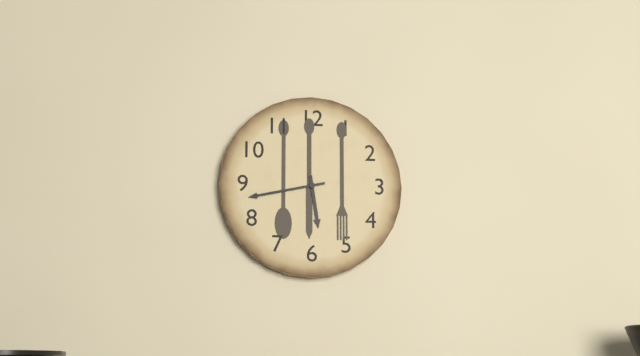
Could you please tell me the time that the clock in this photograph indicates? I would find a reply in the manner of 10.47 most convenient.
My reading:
5.43
